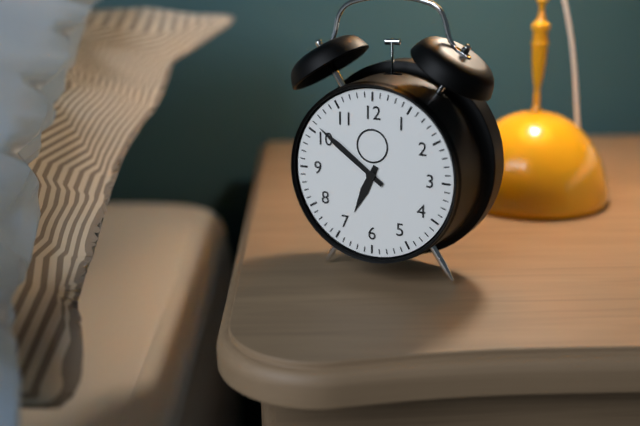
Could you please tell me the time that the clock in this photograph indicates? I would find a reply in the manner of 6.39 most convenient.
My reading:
6.51
